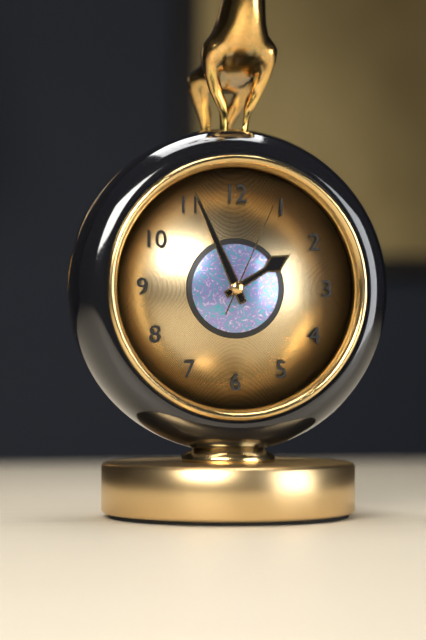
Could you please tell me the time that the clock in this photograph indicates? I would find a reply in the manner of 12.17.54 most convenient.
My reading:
1.56.04
